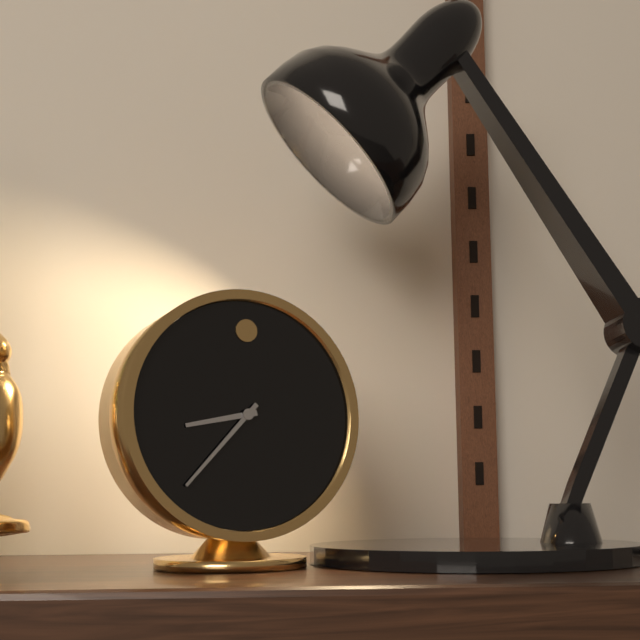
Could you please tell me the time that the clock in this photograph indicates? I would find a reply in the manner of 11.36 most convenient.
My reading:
8.37
